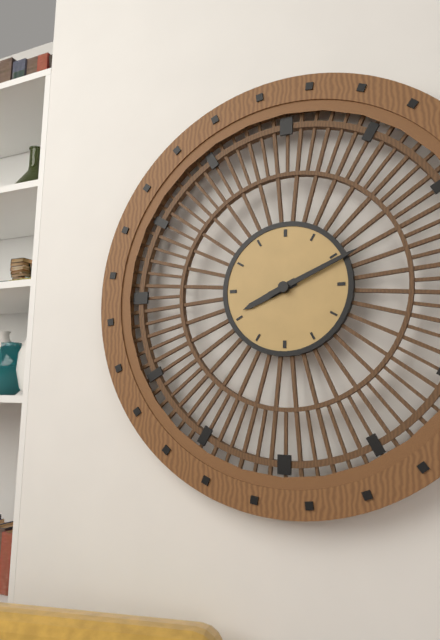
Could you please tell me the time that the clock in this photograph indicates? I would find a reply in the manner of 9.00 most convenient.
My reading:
8.11
